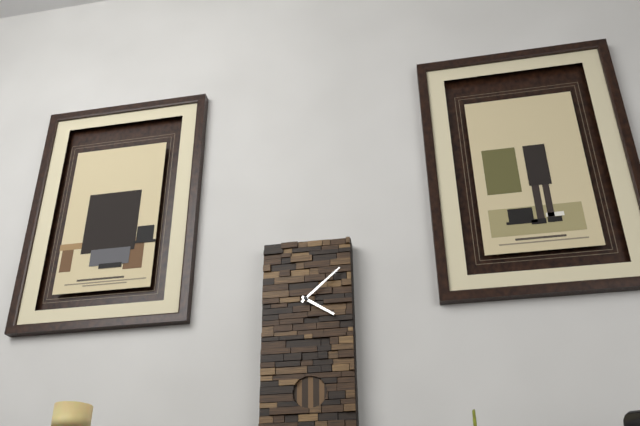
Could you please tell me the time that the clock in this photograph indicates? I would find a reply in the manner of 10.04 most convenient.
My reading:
4.08
